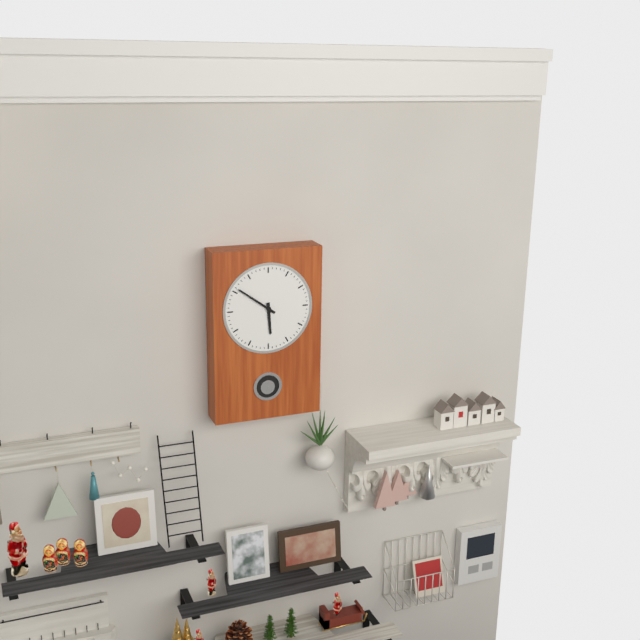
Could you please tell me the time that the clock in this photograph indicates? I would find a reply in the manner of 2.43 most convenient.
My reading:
5.51
